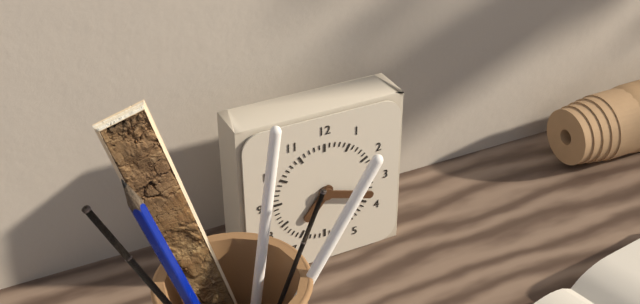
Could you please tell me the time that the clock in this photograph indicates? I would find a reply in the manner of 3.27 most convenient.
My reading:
7.18
